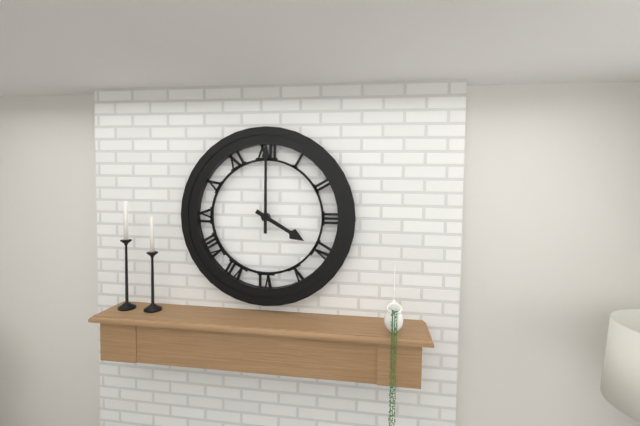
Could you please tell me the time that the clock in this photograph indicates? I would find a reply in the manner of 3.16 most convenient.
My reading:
4.00
